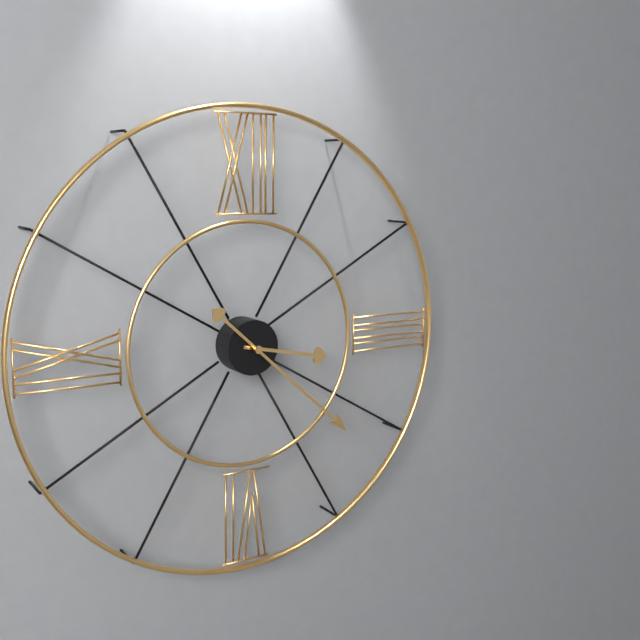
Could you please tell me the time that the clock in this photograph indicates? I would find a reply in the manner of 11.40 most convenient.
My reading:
3.22
